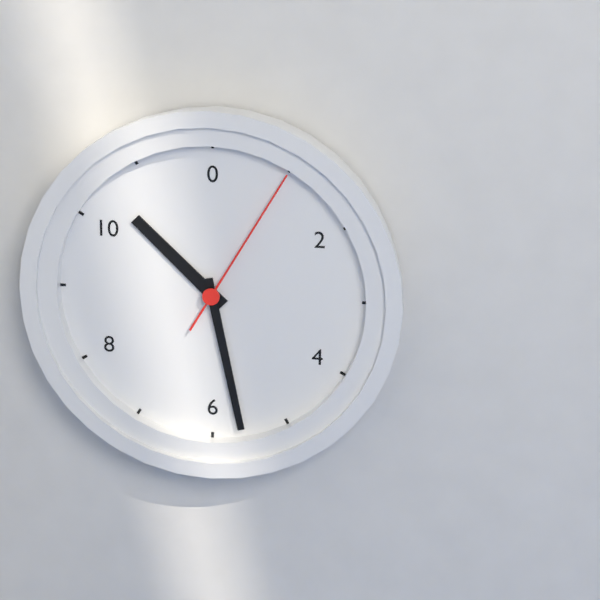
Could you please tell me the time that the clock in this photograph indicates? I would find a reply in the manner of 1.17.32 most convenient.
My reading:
10.28.05
